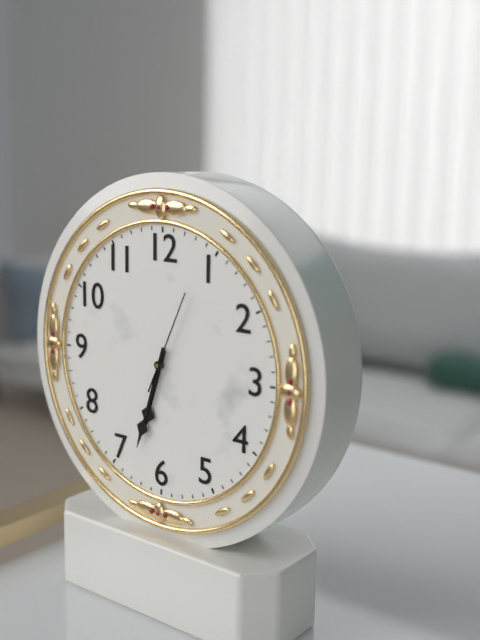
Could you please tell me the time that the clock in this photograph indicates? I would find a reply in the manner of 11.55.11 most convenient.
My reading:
6.33.04
